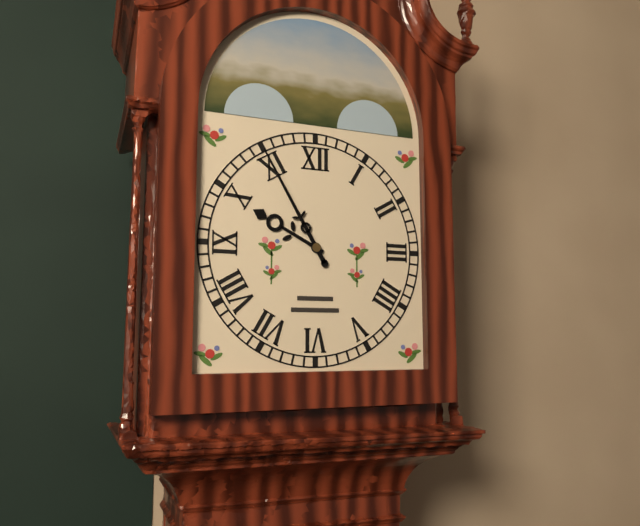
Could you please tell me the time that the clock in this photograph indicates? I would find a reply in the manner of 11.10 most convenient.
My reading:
9.55
